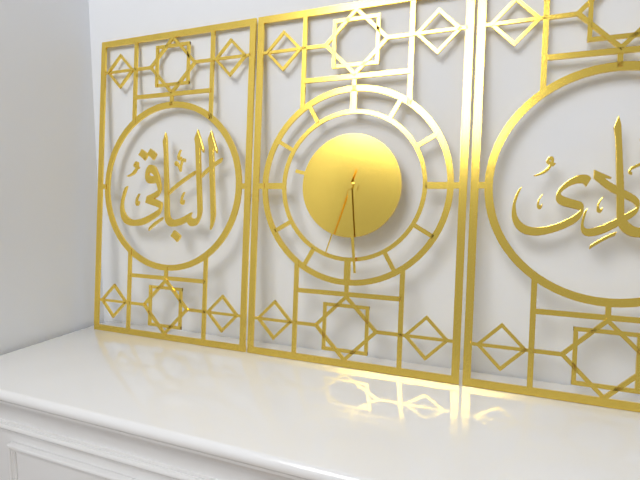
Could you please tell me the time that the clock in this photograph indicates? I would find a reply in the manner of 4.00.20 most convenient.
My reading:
9.29.33
